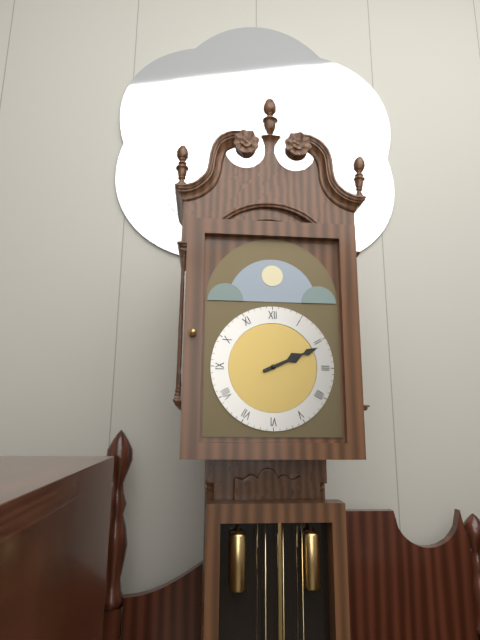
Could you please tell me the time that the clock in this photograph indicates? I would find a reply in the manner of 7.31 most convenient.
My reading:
2.11
